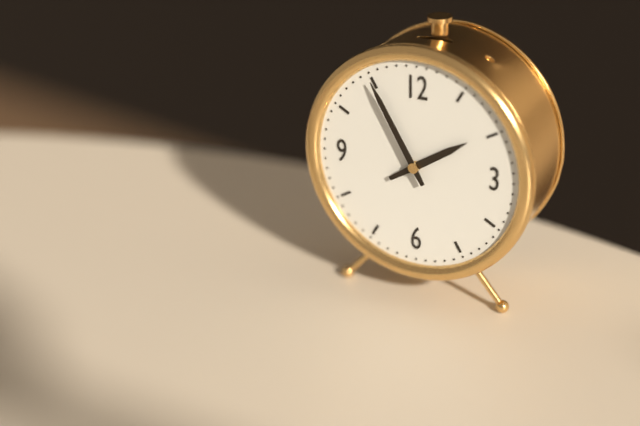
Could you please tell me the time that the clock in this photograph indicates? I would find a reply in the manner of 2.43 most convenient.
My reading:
1.55
